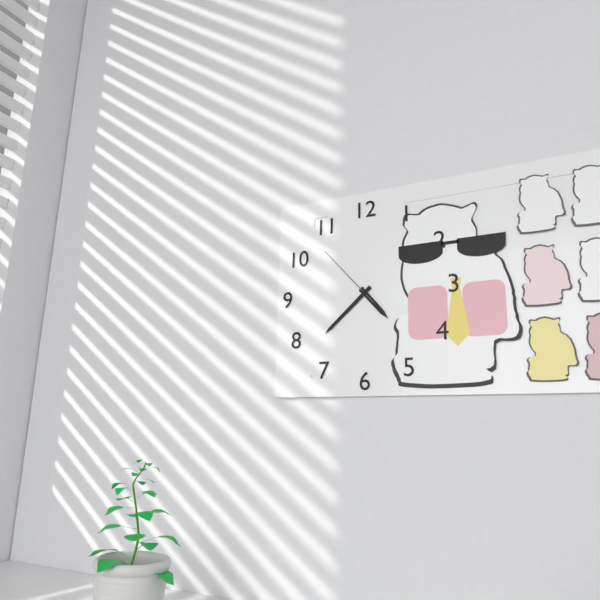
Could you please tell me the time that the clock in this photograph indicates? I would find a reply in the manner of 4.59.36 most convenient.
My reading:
4.38.53
